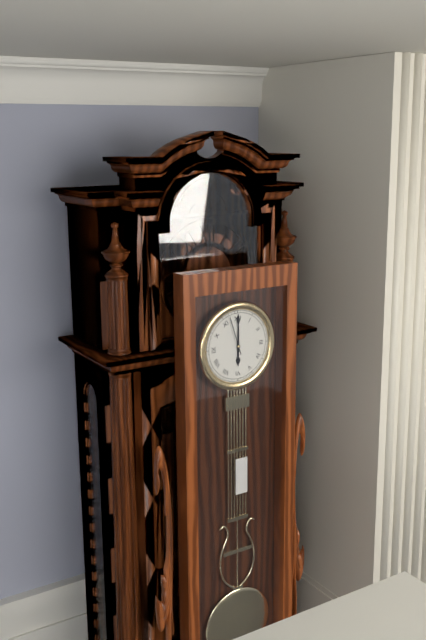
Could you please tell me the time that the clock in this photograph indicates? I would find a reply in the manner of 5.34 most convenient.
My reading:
6.00
